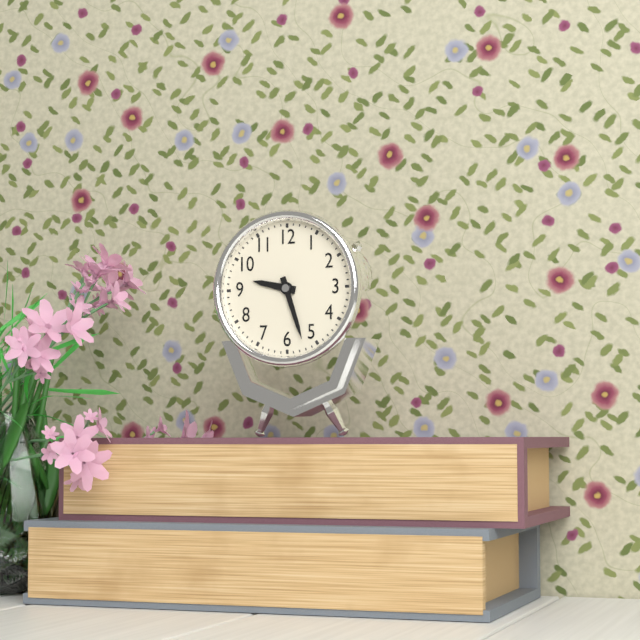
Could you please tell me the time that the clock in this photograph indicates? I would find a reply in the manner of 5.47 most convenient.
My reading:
9.27
